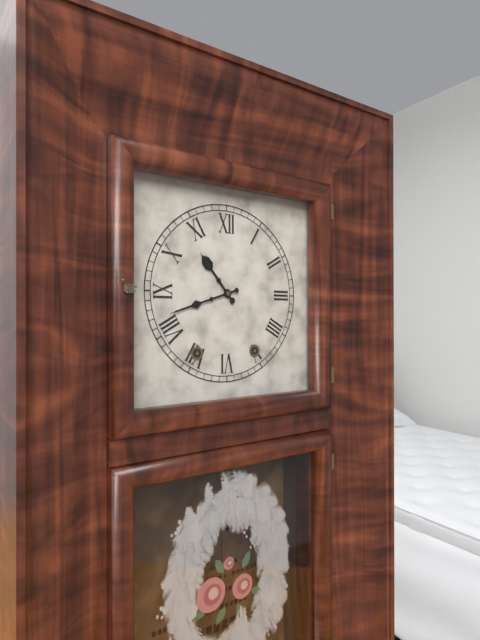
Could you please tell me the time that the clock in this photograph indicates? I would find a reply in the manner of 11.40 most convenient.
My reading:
10.42
